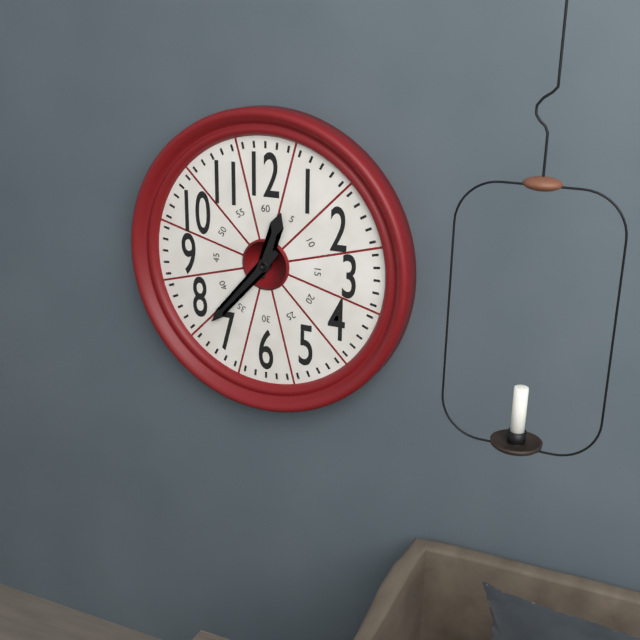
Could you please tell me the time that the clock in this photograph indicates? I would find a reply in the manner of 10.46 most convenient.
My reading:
12.37
